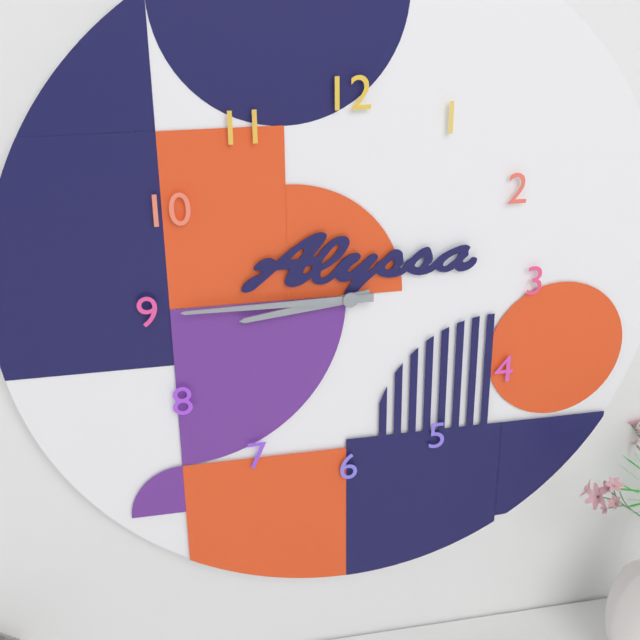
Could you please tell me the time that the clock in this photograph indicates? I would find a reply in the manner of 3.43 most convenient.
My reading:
8.45
